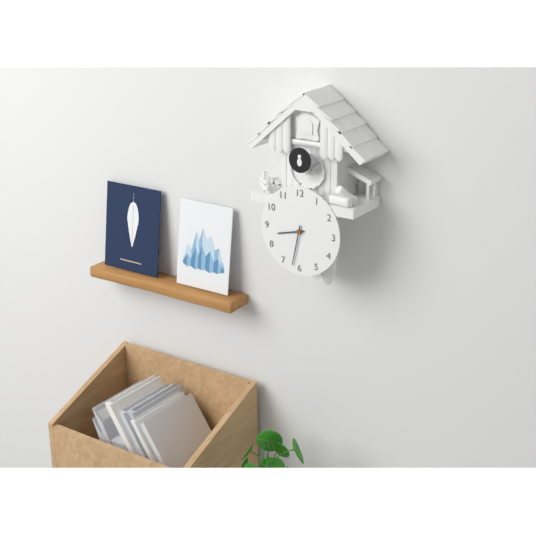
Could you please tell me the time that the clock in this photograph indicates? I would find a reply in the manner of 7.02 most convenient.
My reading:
8.32
